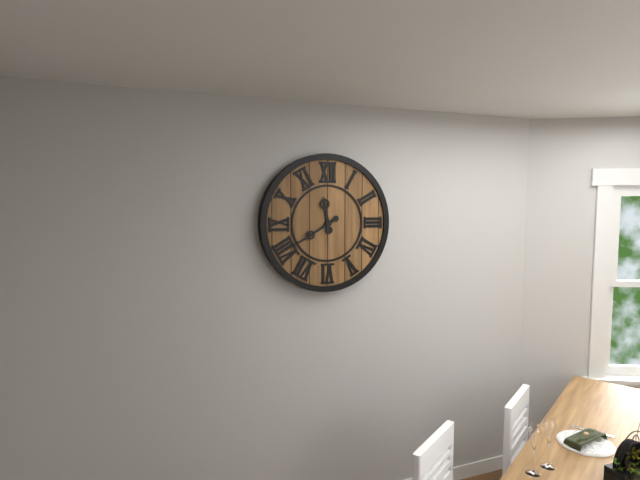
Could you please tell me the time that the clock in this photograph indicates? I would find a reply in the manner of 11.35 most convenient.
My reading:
11.40
